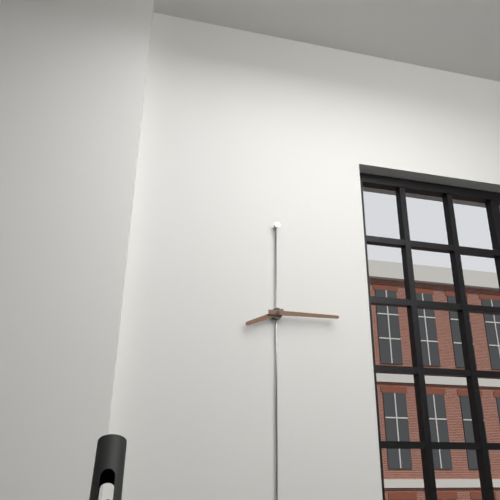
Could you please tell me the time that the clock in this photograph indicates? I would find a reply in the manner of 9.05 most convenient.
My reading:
8.15
